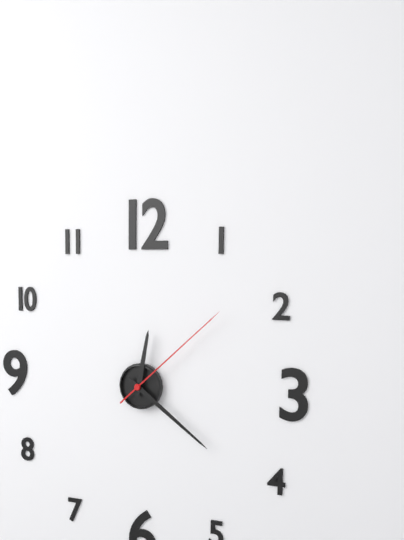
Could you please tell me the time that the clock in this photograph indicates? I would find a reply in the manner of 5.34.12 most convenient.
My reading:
12.21.08
